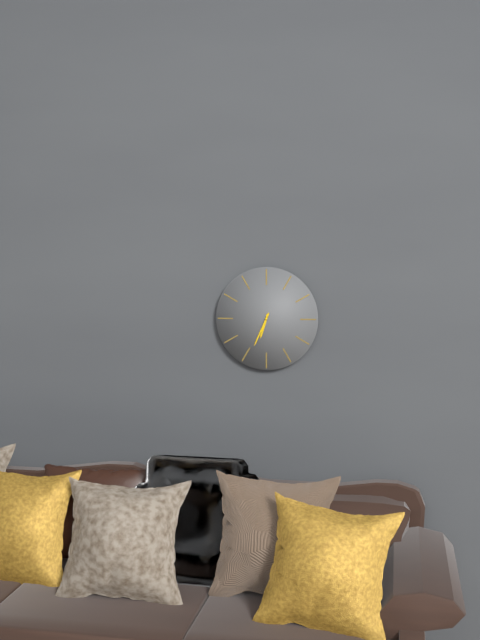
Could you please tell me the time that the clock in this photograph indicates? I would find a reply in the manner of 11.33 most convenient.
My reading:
6.34
